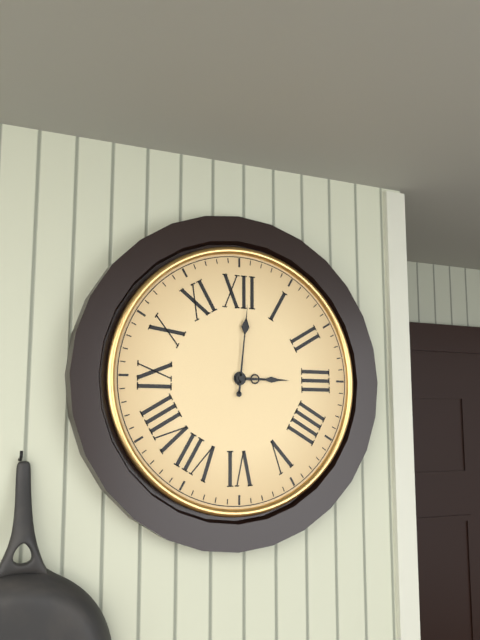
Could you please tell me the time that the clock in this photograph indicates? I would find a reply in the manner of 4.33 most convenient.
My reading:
3.01
